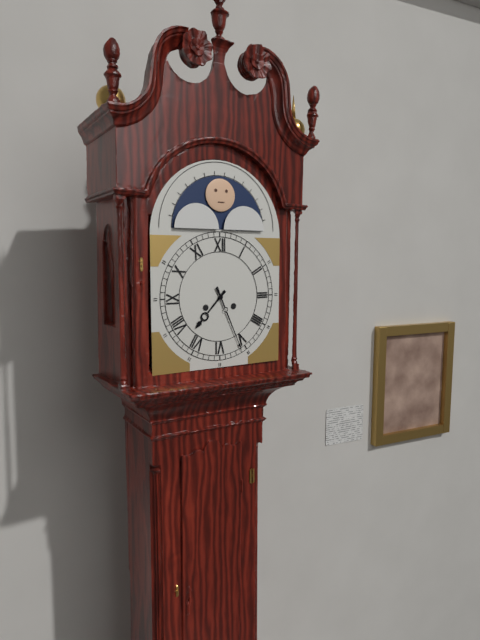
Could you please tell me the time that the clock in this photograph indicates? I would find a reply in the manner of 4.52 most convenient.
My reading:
7.26
